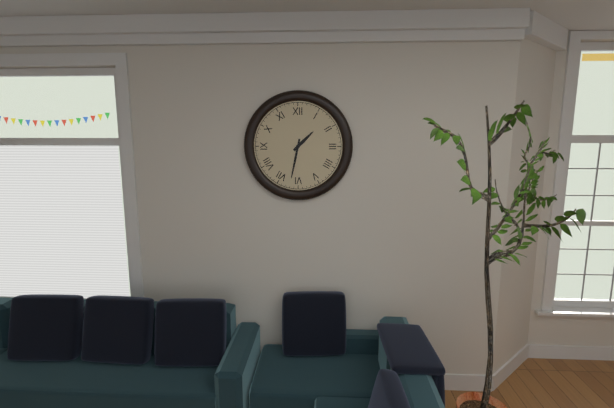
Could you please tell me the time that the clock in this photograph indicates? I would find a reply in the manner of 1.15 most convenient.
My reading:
1.32
